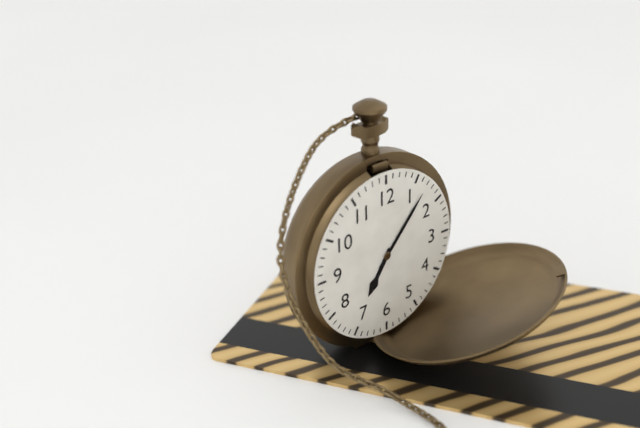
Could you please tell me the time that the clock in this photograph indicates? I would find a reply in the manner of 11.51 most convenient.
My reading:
7.07
